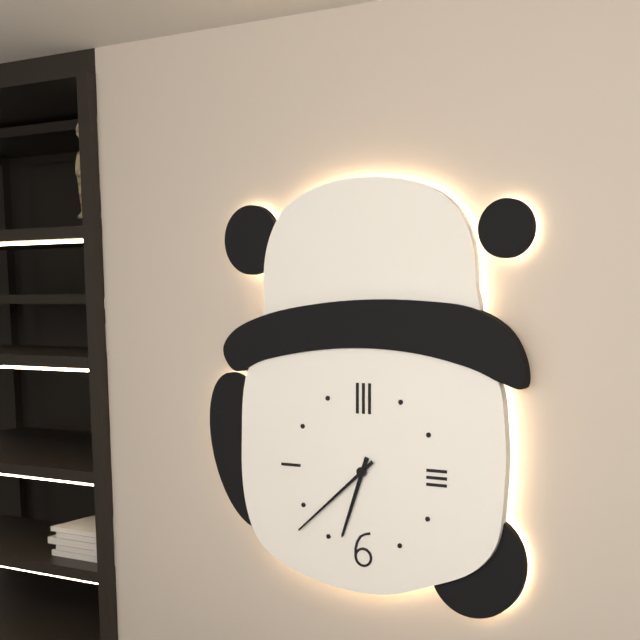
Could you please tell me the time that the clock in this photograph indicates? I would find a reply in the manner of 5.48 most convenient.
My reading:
6.38
